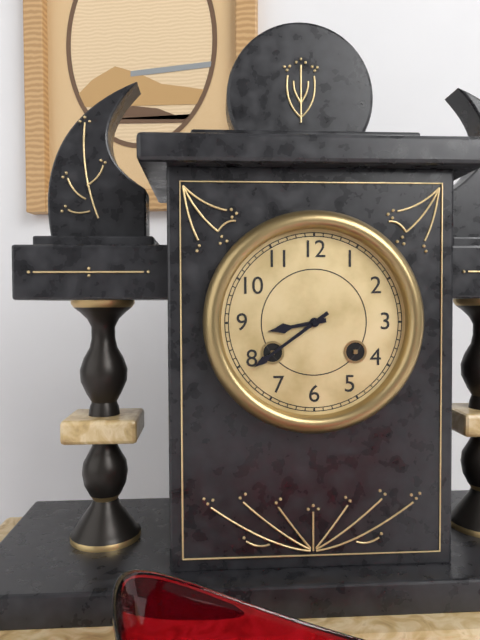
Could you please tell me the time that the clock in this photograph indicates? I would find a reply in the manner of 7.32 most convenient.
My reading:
8.39
